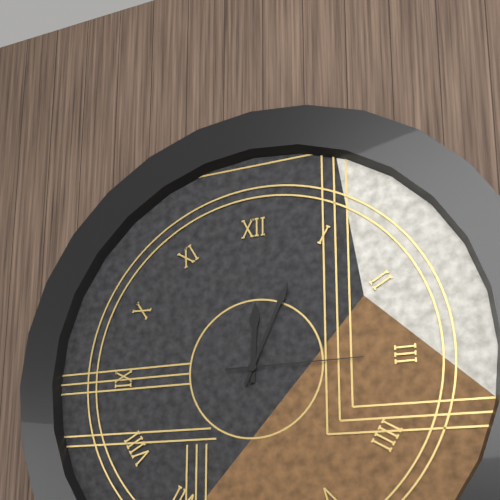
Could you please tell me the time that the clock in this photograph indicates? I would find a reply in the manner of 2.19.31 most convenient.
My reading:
12.04.15
